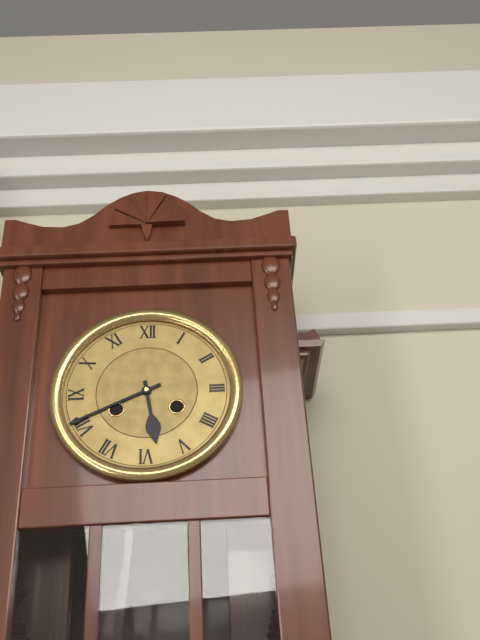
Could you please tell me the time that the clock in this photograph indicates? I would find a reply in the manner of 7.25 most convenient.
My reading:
5.41
